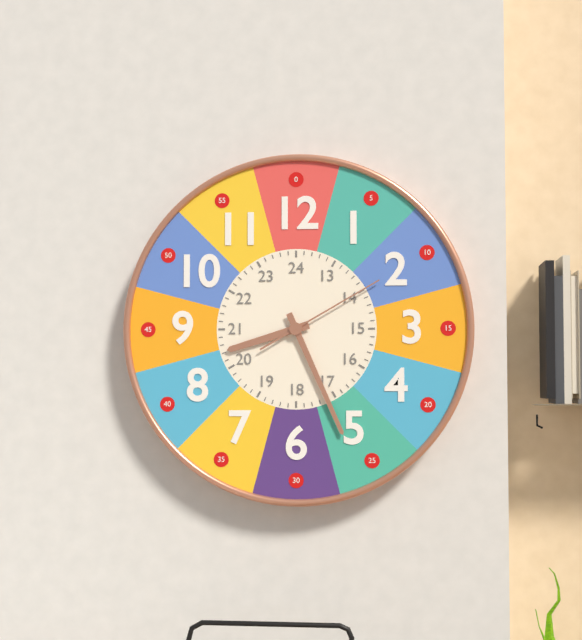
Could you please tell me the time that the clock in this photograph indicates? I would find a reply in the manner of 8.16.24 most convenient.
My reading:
8.26.10
